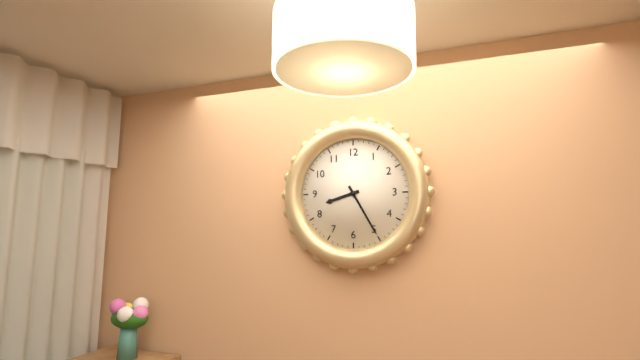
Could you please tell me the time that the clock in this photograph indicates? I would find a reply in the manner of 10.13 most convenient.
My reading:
8.25
